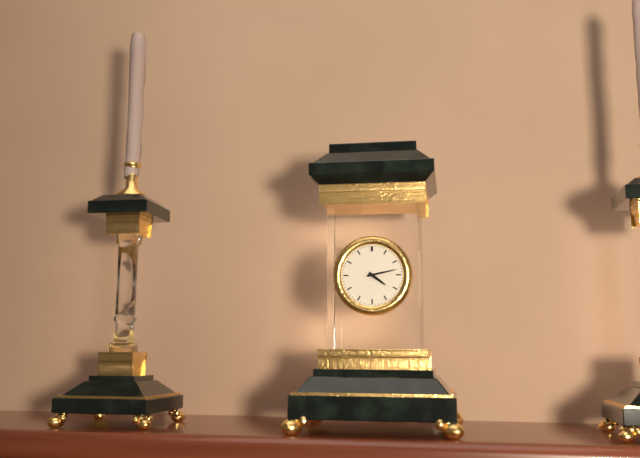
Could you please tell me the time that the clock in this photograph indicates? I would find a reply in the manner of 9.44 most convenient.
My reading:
4.13
